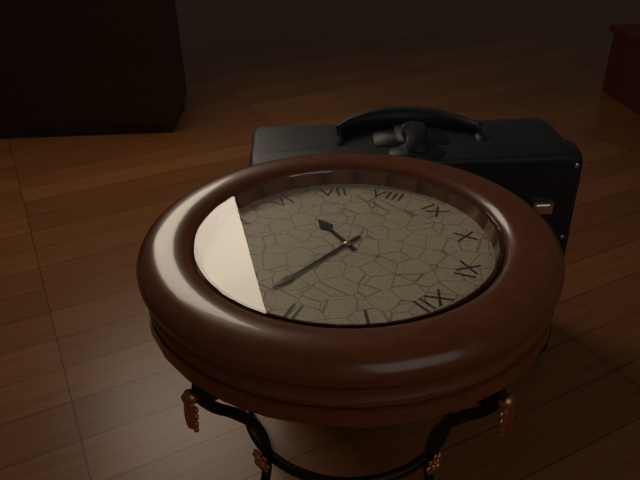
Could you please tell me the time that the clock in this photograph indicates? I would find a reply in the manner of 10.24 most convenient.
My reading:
6.13
